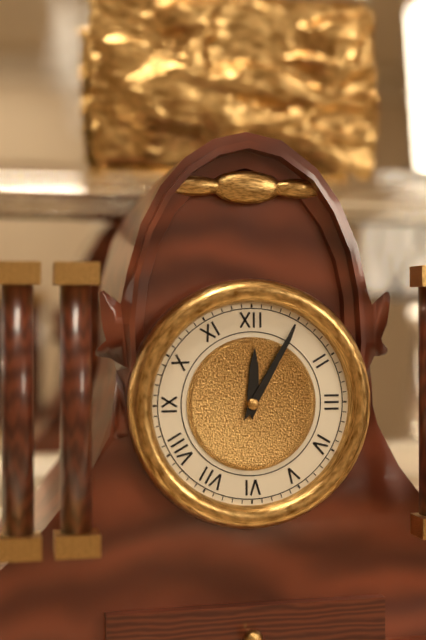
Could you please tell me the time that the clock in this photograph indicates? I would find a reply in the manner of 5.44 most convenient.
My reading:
12.05
